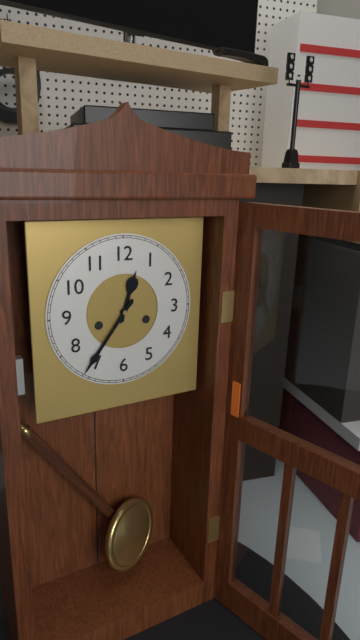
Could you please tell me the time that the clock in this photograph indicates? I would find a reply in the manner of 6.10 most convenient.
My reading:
12.36
